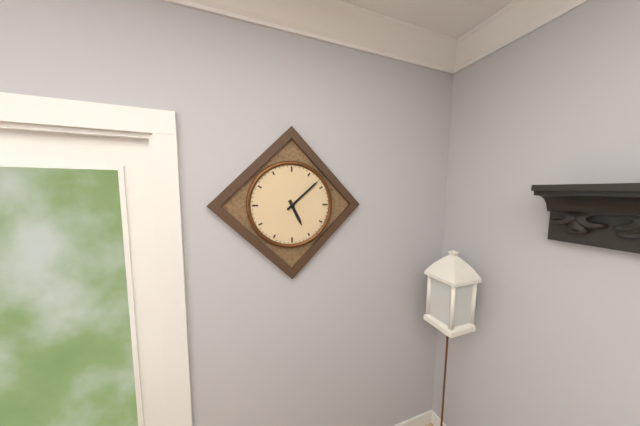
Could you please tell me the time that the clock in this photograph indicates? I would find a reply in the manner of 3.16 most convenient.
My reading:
5.08
